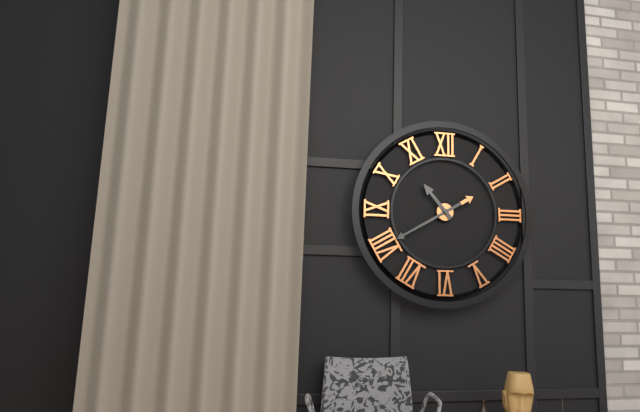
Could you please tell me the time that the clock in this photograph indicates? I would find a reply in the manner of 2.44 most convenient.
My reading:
10.40
